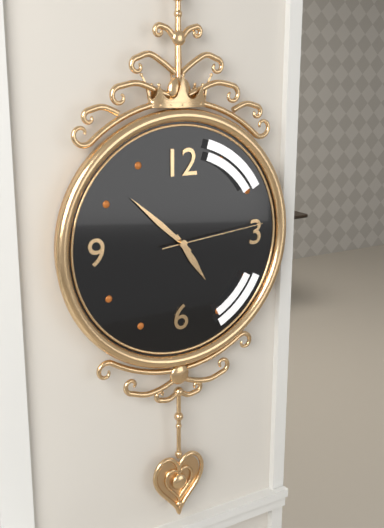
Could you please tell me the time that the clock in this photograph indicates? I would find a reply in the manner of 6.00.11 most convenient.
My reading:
4.52.14
